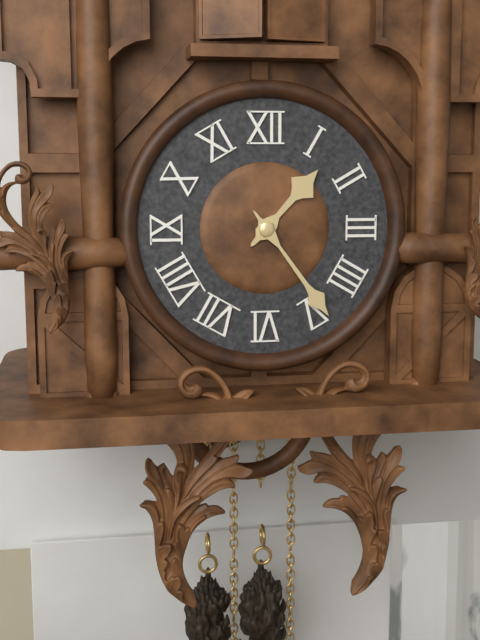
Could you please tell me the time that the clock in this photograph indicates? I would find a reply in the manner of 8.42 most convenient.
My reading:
1.24
